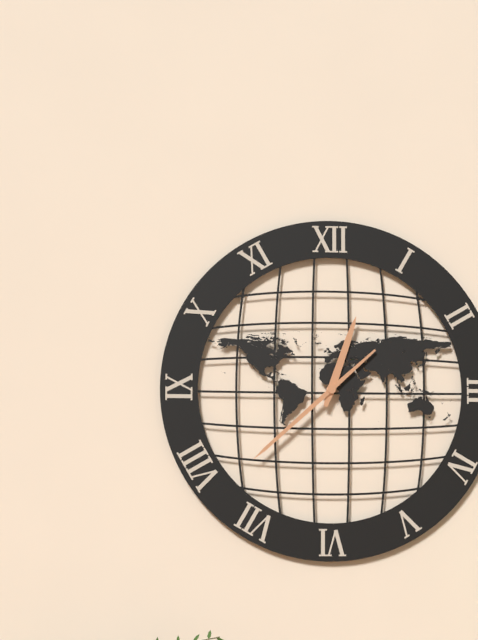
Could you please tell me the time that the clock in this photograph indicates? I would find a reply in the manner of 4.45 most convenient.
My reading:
12.38
